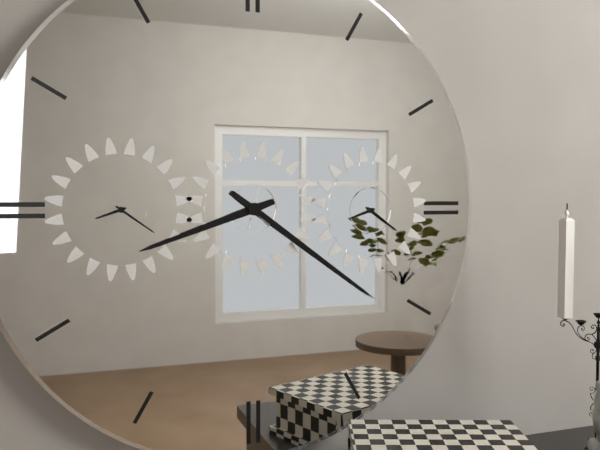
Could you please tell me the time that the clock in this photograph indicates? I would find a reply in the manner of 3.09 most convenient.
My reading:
8.21
